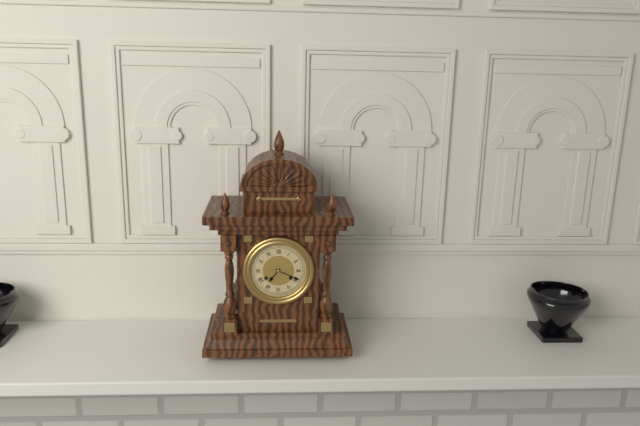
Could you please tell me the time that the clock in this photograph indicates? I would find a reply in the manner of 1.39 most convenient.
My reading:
7.19
